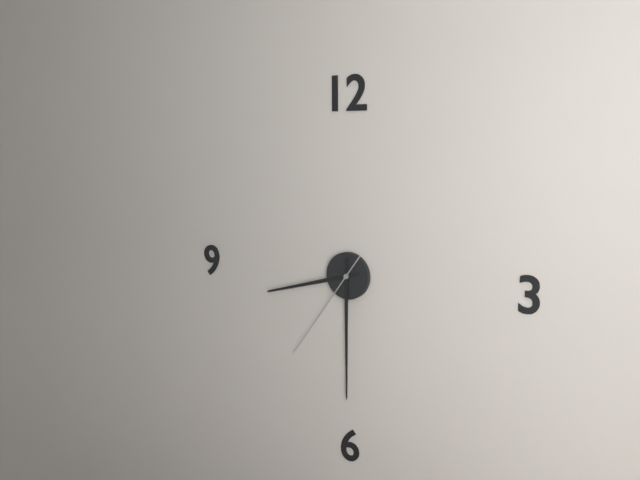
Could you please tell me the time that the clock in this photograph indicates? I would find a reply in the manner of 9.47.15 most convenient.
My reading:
8.30.36
